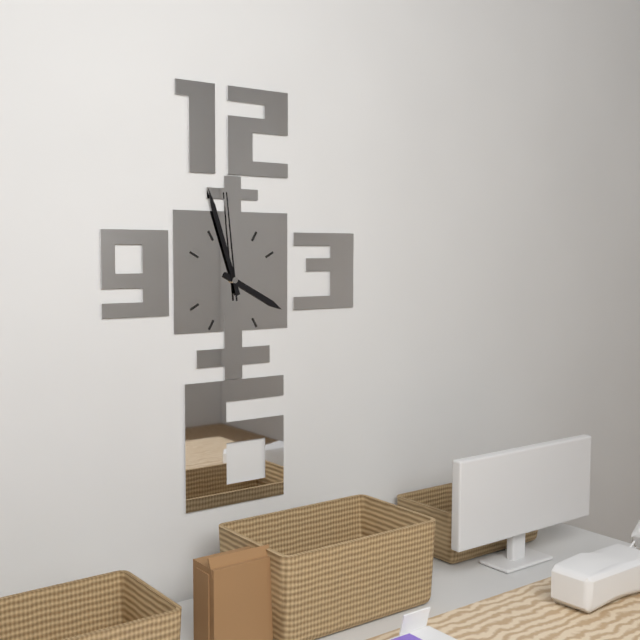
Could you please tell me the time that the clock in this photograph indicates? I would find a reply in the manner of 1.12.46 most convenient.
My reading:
3.57.59
